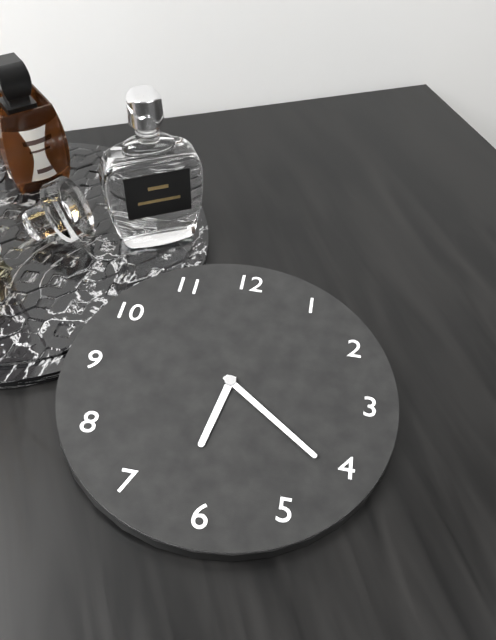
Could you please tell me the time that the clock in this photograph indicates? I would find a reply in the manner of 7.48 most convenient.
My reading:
6.21
